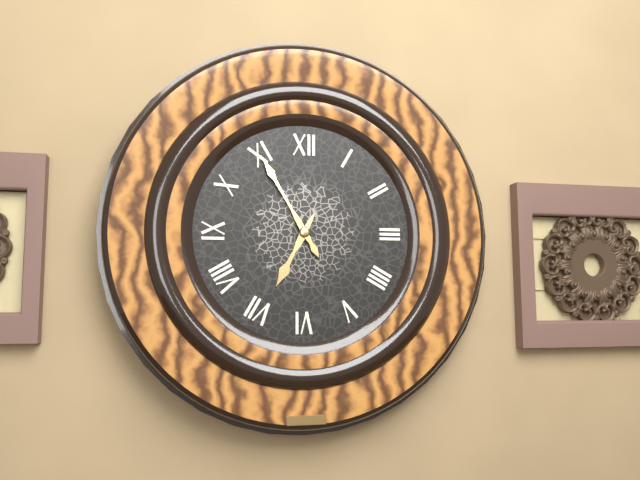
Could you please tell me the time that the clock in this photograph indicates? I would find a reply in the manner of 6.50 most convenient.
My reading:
6.55
